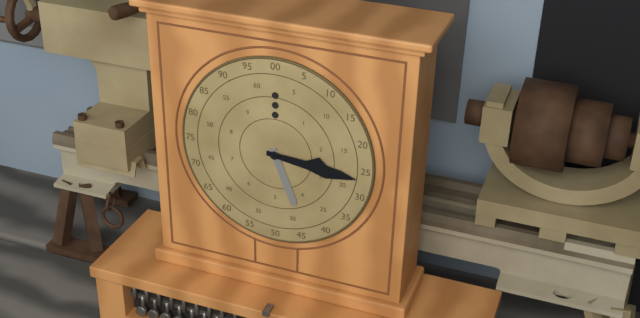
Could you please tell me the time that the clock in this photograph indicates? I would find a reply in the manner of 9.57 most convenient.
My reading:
5.16
